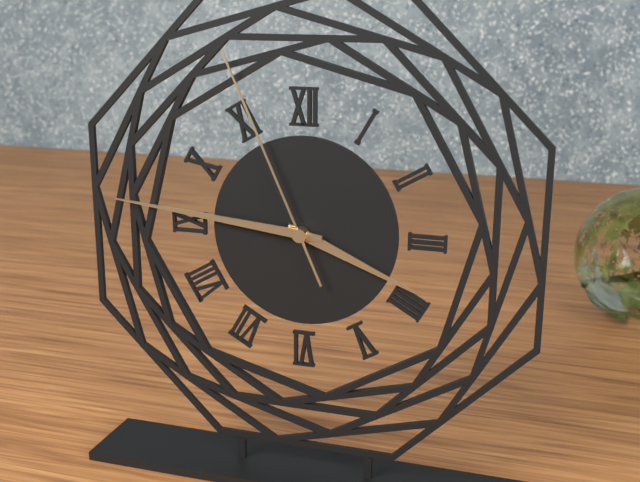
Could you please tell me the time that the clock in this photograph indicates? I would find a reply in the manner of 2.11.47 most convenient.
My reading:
3.46.56
